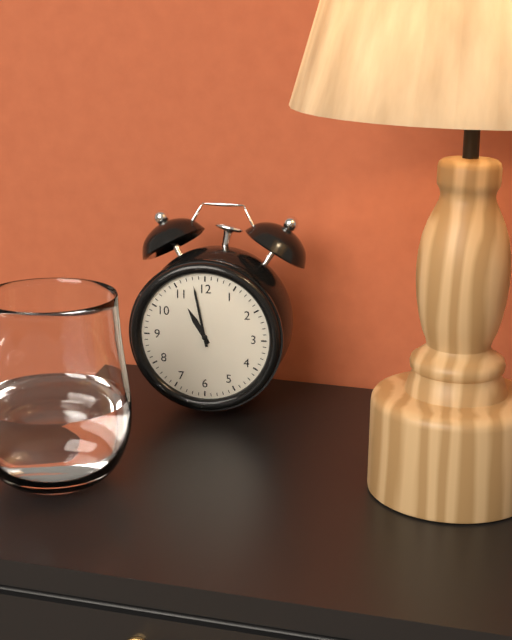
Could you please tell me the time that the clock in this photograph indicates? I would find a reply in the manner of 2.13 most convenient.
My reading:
10.58
